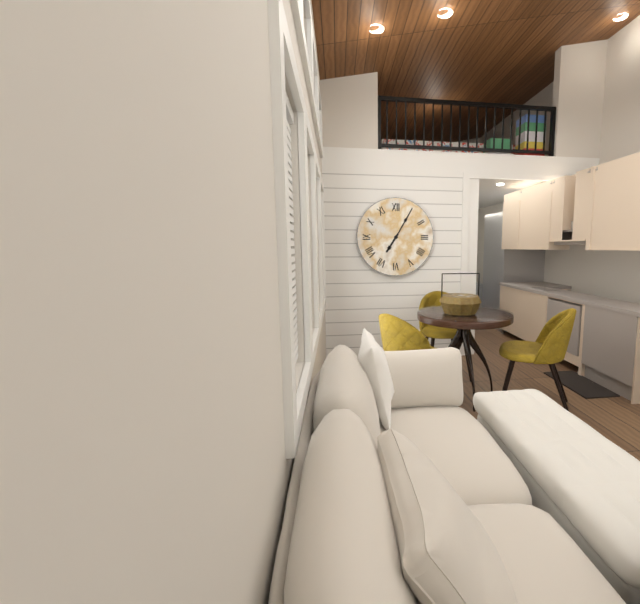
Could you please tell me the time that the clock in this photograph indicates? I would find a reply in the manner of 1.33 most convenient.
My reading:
7.05
